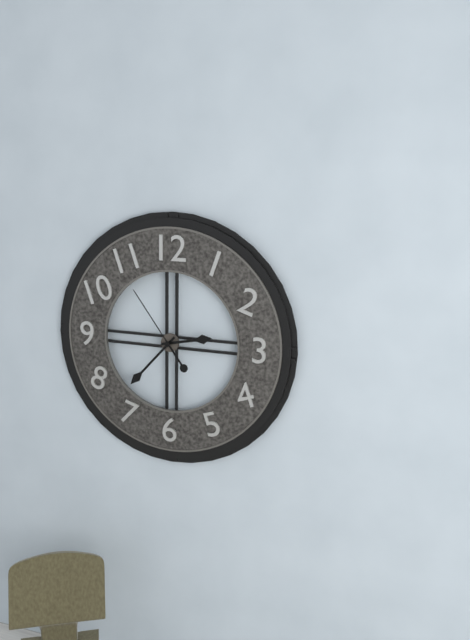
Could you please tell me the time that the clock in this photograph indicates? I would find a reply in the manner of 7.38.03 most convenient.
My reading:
2.37.54
